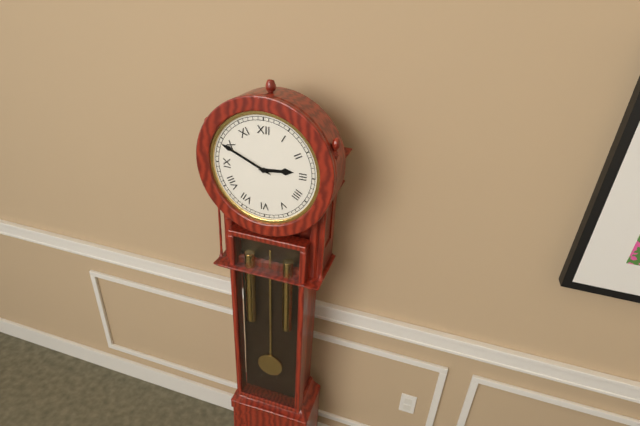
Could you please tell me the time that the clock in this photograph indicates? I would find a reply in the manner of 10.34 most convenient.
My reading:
2.49
